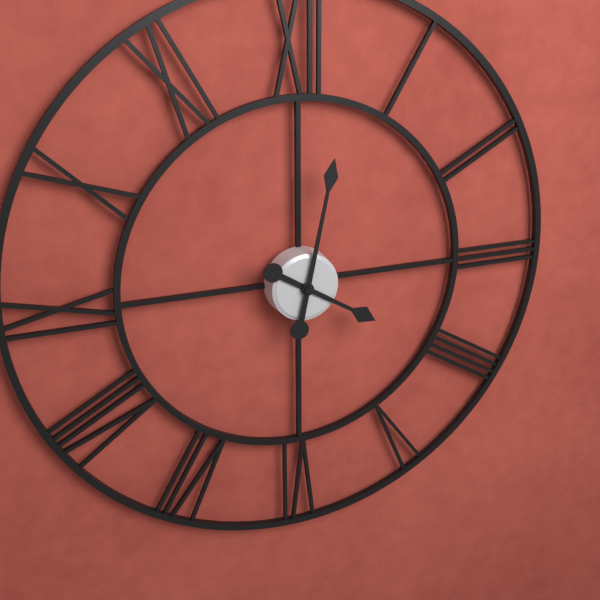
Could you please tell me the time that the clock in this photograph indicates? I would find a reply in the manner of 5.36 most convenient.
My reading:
4.02
